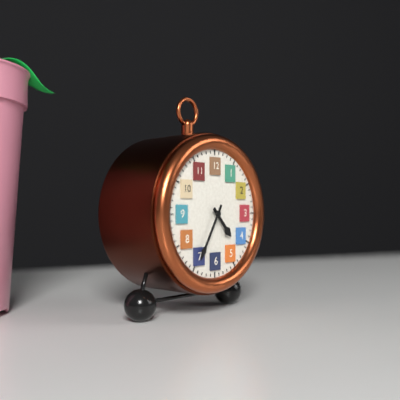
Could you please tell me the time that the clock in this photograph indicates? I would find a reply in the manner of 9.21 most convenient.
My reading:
4.35
